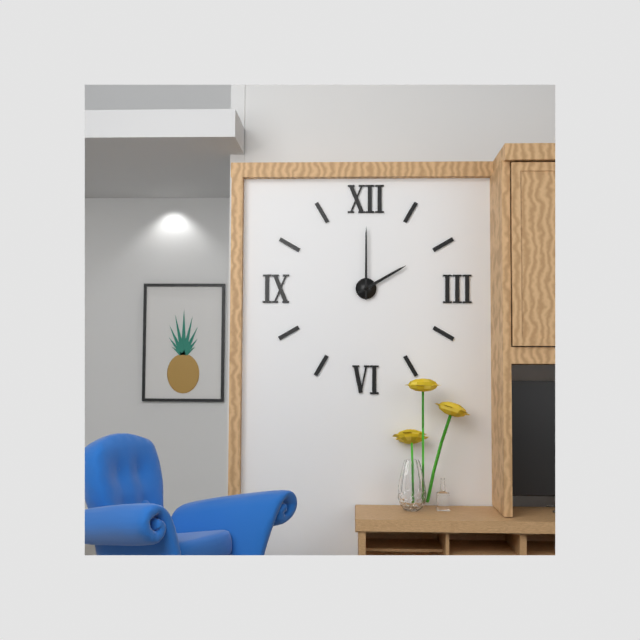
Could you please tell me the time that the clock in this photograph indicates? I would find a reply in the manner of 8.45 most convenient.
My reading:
2.00
